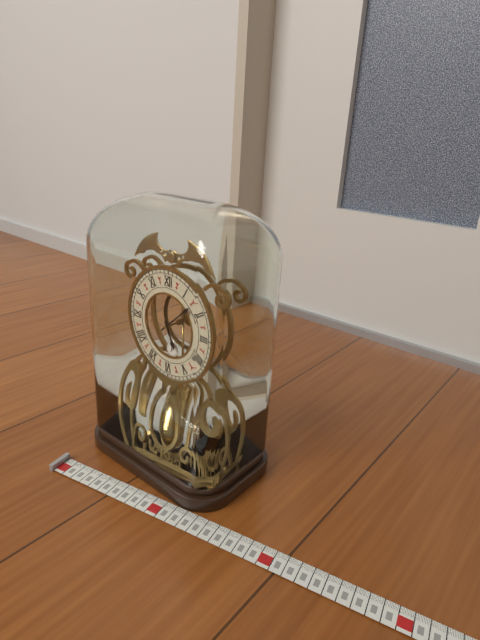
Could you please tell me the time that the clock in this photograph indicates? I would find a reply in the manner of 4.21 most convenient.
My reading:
5.08
